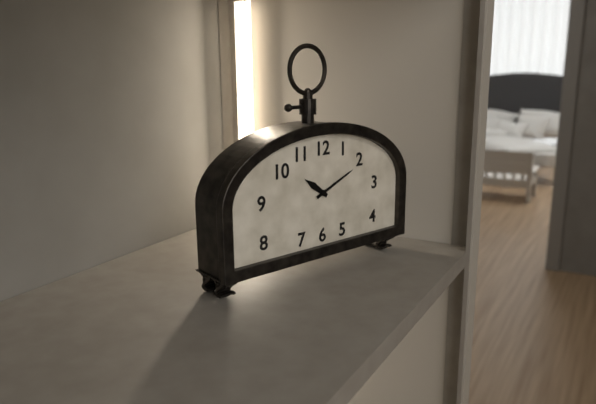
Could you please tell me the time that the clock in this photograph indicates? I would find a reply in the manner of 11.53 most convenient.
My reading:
10.11
